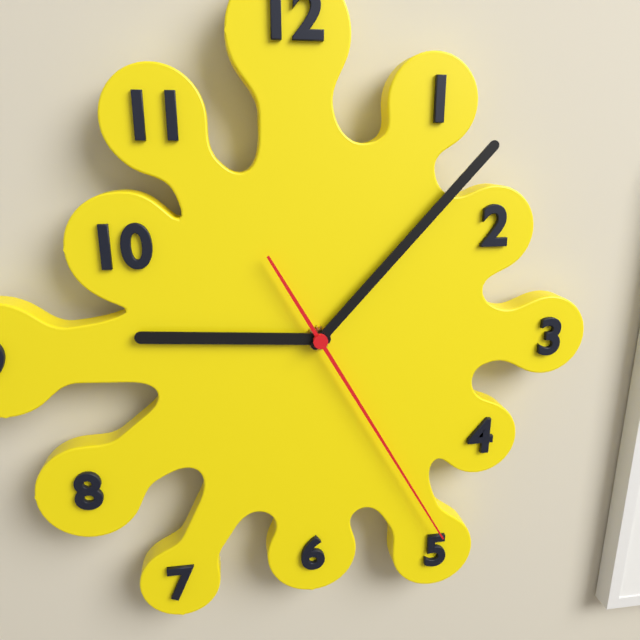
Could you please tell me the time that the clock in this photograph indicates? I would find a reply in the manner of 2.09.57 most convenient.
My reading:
9.07.25
